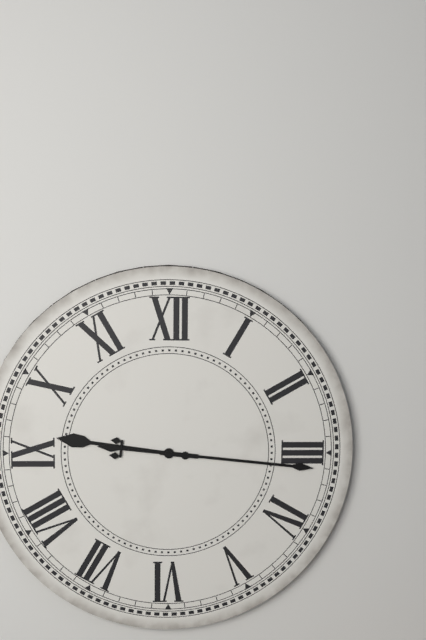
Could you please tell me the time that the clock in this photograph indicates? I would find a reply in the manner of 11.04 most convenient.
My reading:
9.16
